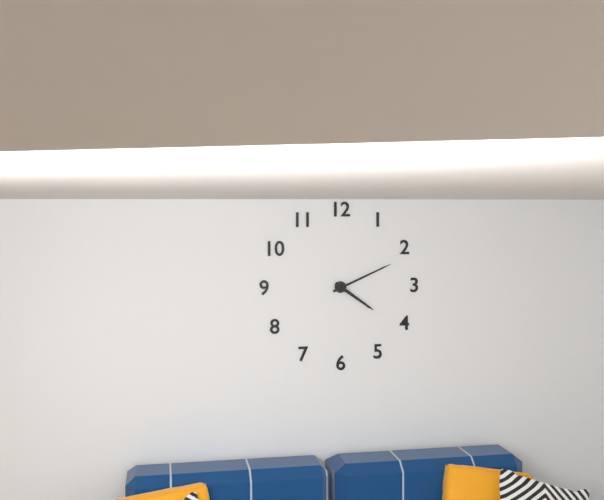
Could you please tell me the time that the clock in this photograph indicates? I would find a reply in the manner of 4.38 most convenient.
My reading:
4.11
